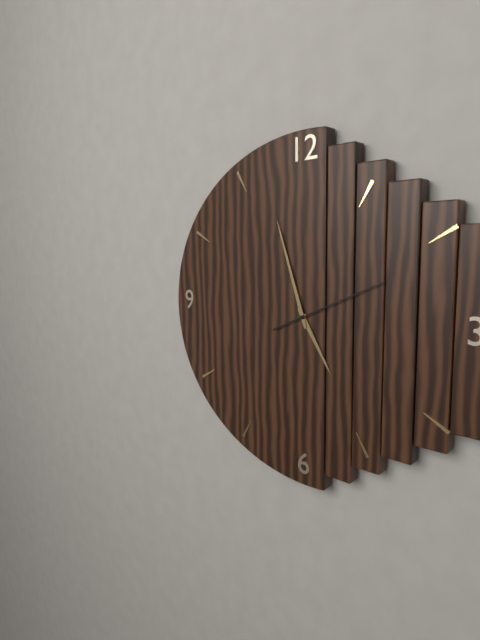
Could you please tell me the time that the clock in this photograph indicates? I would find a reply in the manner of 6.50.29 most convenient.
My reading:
4.57.11
